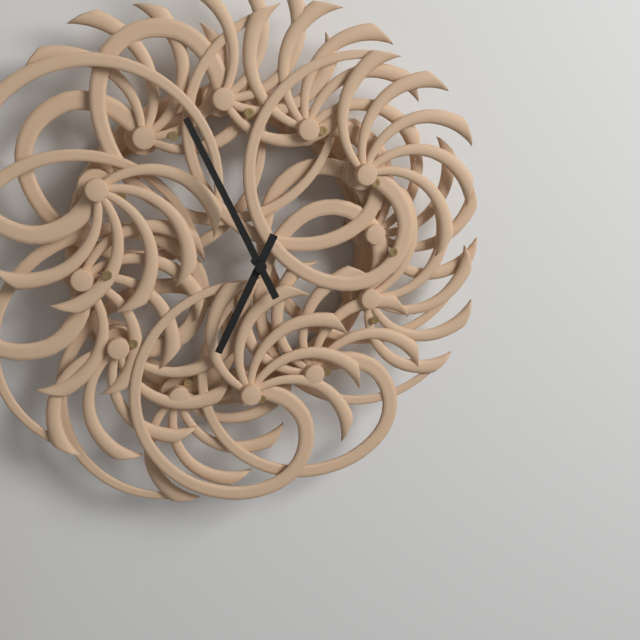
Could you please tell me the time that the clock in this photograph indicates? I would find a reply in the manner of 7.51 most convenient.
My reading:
6.56
